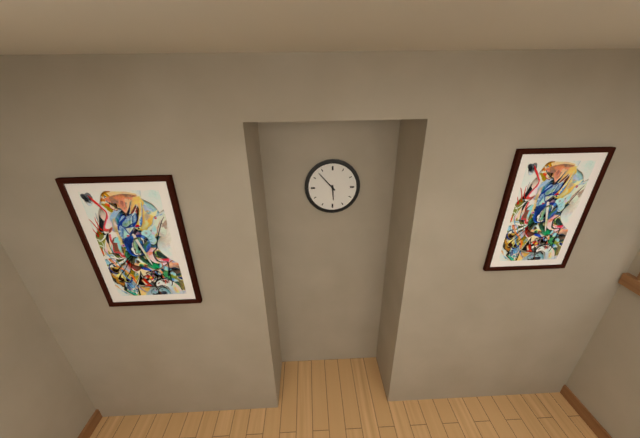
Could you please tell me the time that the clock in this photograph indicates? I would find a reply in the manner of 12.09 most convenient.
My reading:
5.53
